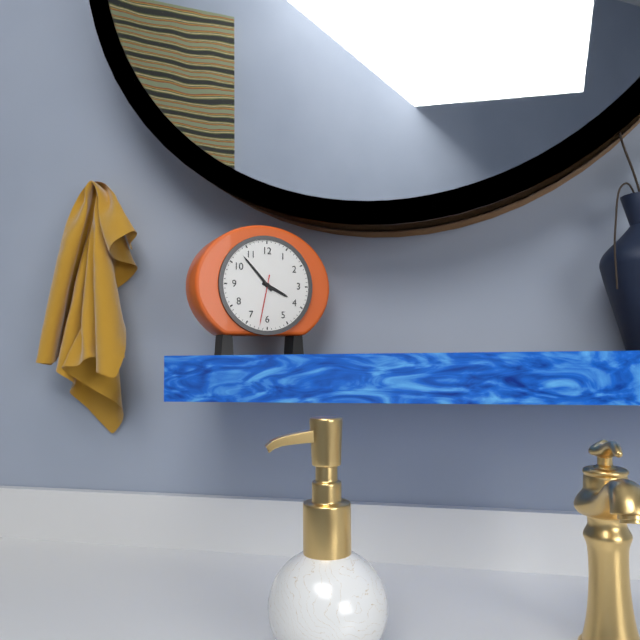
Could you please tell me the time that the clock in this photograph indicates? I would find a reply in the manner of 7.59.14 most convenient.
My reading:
3.53.32
